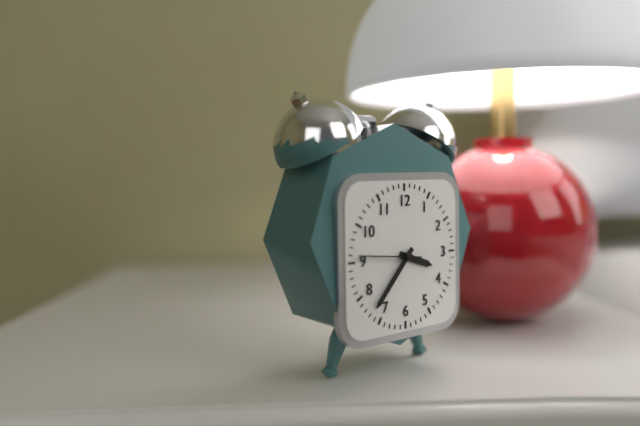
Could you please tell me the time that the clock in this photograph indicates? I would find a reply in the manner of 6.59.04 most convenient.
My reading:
3.37.46
